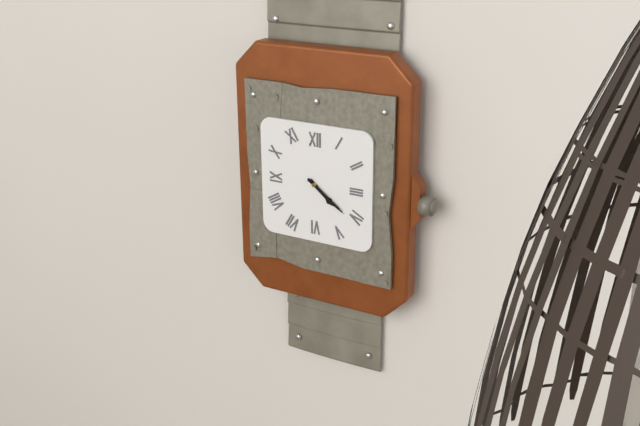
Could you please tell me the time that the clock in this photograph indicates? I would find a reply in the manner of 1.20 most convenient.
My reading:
4.21
